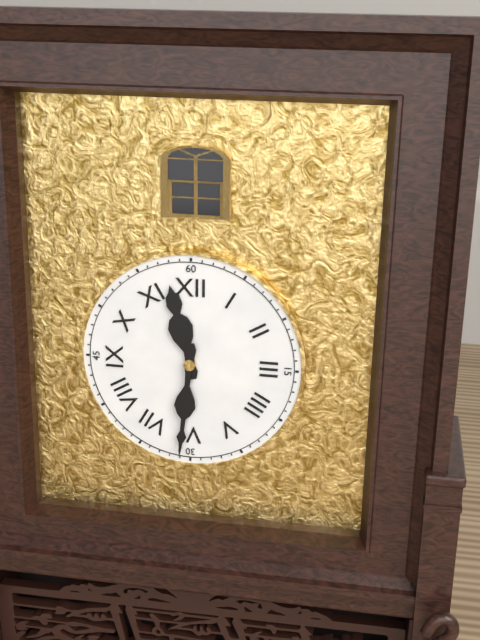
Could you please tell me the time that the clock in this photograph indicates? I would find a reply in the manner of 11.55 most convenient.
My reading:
11.31
